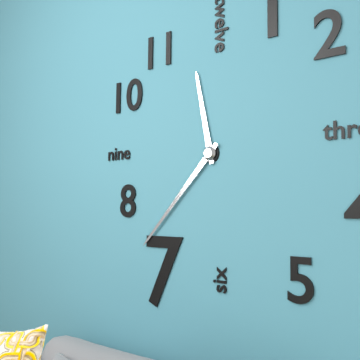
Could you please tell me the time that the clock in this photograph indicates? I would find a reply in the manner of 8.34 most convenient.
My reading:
11.37
